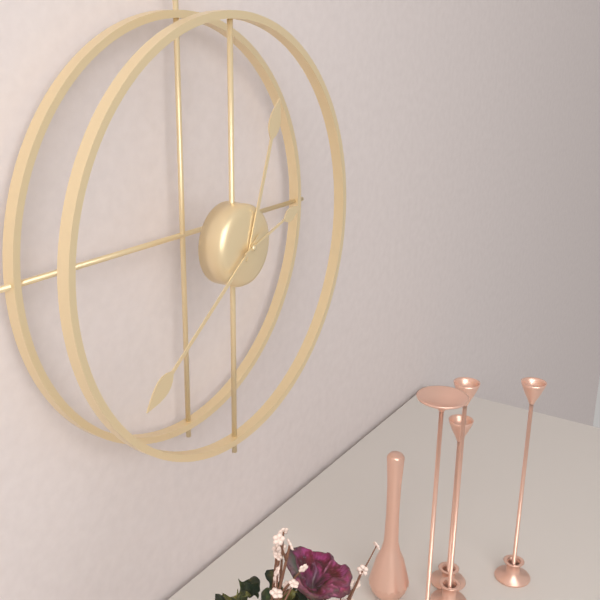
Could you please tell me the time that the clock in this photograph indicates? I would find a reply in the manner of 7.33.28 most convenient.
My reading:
12.39.12
